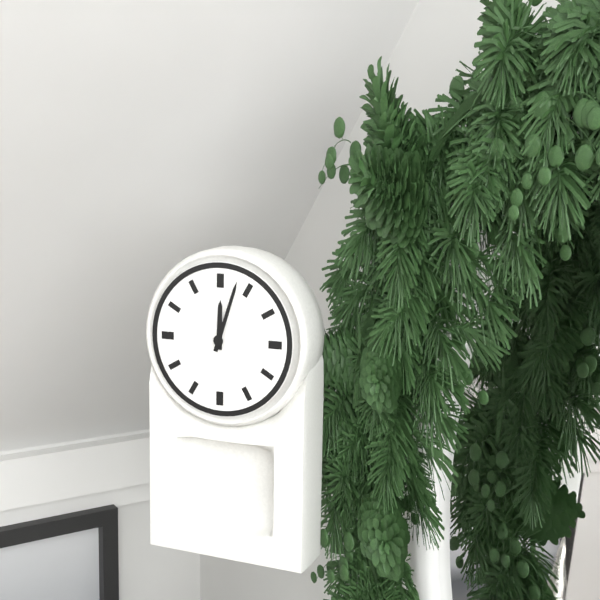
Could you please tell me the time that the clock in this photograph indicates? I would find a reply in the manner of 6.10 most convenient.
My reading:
12.03
